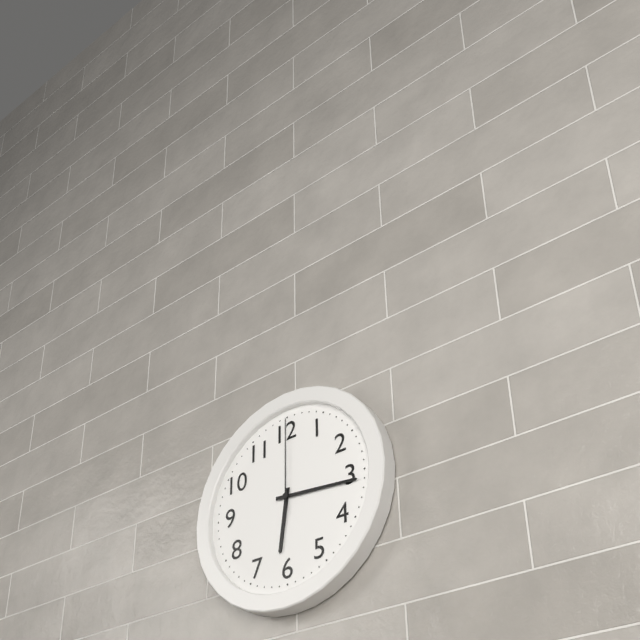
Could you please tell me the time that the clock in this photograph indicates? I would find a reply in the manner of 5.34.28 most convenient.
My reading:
6.16.00
